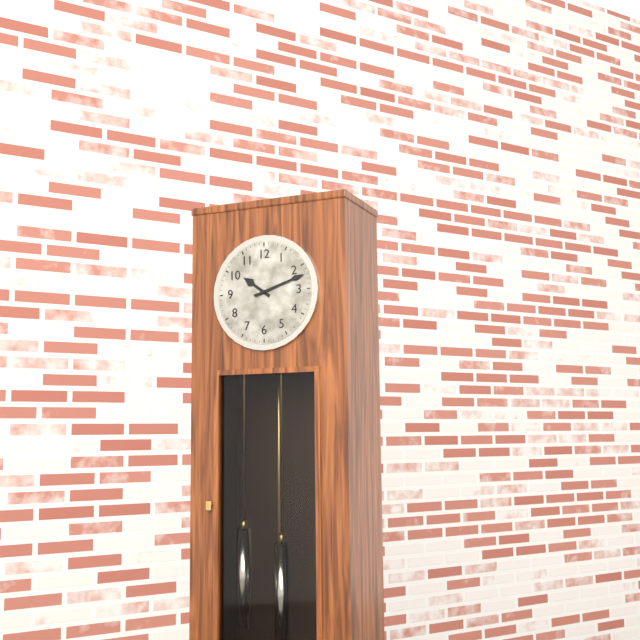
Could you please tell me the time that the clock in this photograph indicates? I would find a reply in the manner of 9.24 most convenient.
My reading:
10.12
